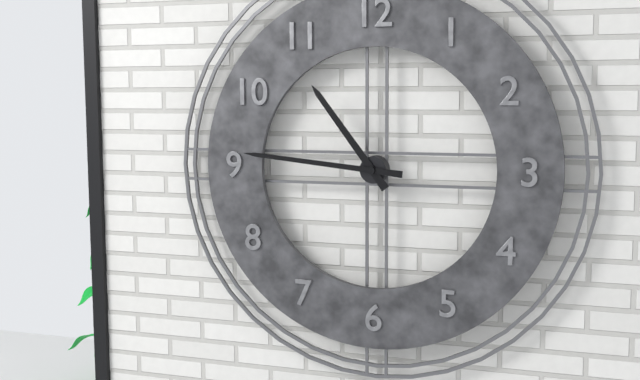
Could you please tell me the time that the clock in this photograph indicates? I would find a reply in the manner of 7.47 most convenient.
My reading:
10.46
